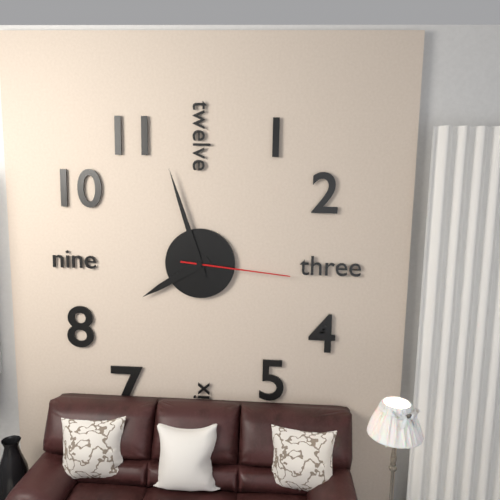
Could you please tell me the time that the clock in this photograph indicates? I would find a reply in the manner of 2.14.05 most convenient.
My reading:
7.57.16
